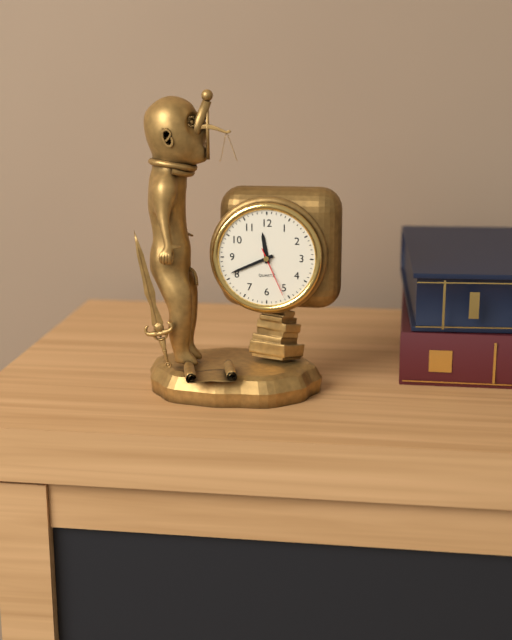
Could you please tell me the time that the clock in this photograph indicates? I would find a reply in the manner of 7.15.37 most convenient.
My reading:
11.41.26
